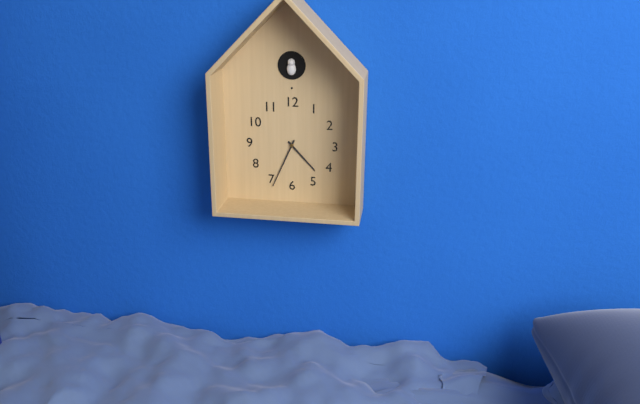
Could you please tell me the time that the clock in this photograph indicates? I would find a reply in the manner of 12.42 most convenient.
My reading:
4.34
